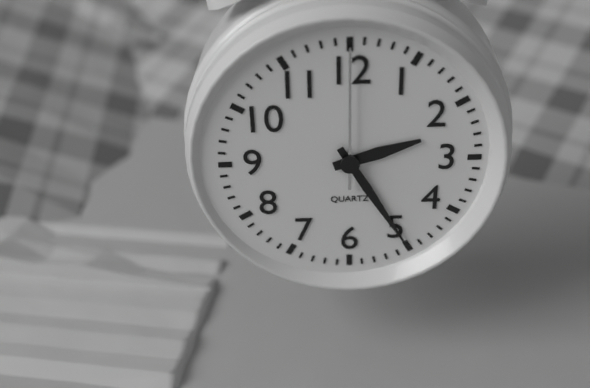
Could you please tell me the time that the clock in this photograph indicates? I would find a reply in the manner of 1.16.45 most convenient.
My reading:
2.25.00
